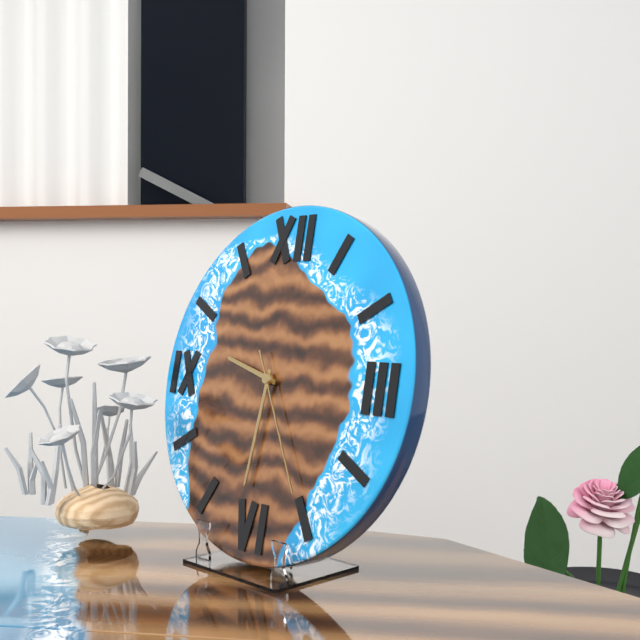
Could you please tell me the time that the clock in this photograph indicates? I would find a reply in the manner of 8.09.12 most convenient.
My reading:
9.31.25
